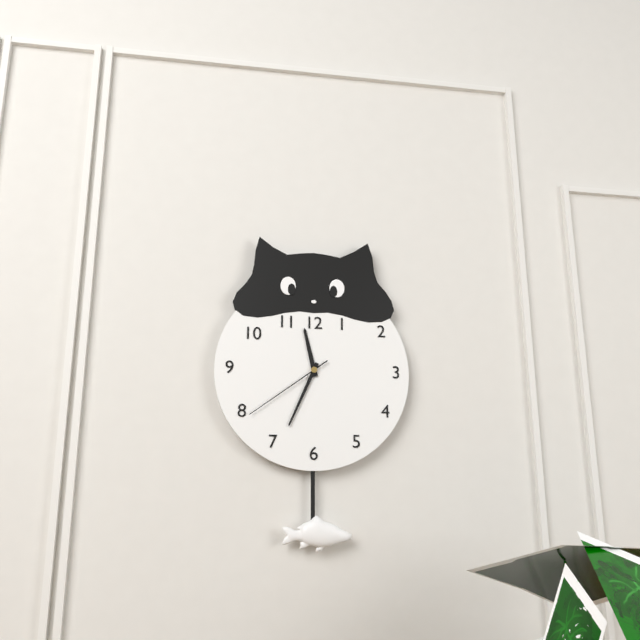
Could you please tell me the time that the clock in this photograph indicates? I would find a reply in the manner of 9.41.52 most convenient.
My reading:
11.34.39
